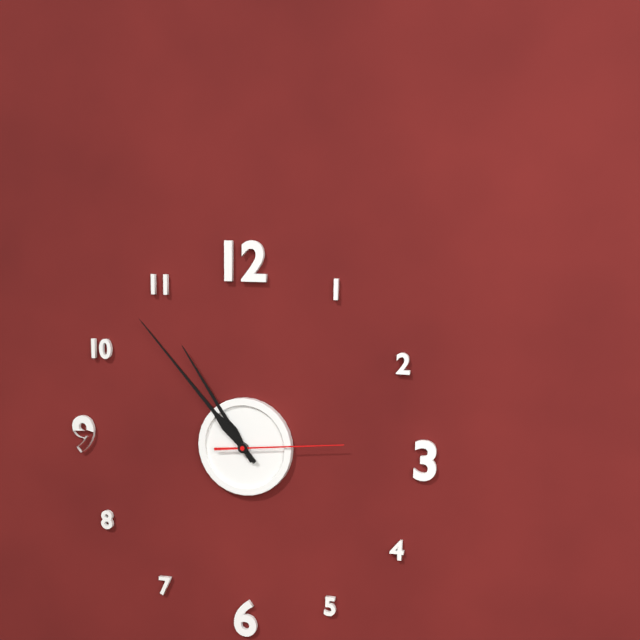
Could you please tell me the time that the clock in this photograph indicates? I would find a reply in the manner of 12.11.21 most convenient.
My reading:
10.53.14
